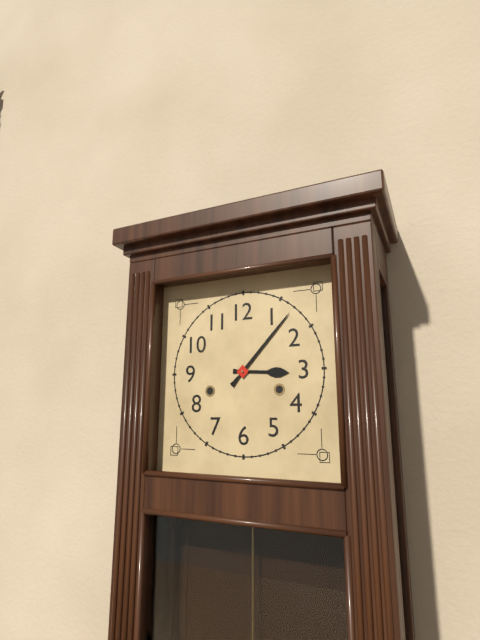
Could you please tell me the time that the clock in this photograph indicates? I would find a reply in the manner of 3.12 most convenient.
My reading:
3.07
